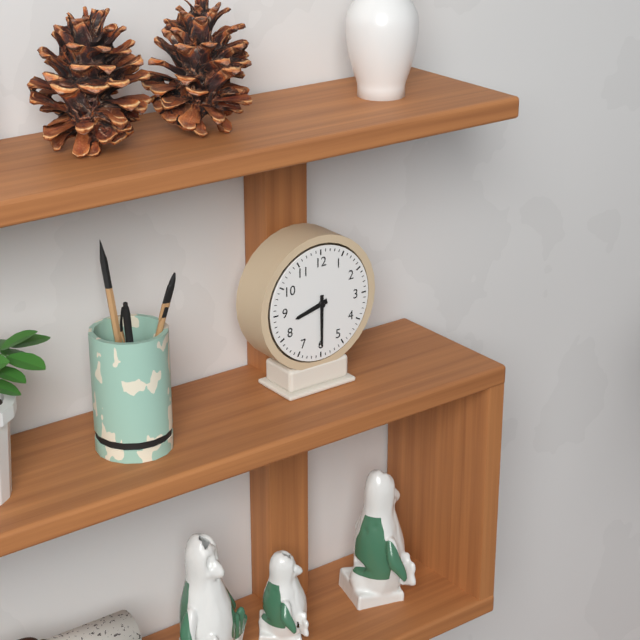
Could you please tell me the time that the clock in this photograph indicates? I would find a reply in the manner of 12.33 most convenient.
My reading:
8.30
